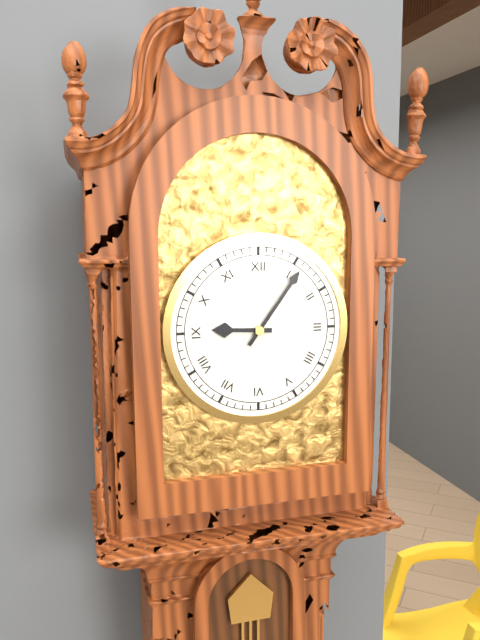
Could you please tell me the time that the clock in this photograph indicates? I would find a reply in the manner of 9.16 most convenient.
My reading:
9.06
